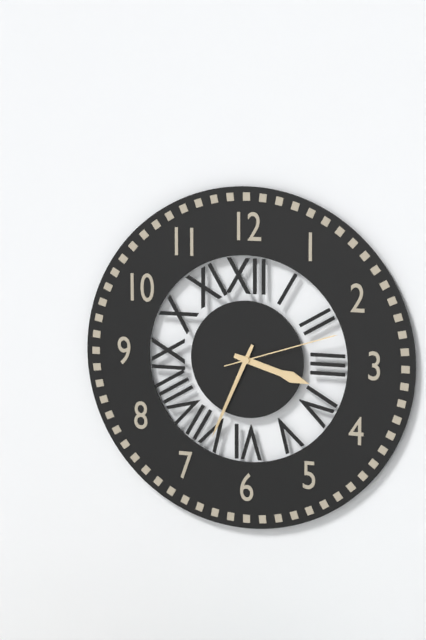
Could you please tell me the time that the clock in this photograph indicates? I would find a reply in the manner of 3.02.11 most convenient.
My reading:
3.34.12
